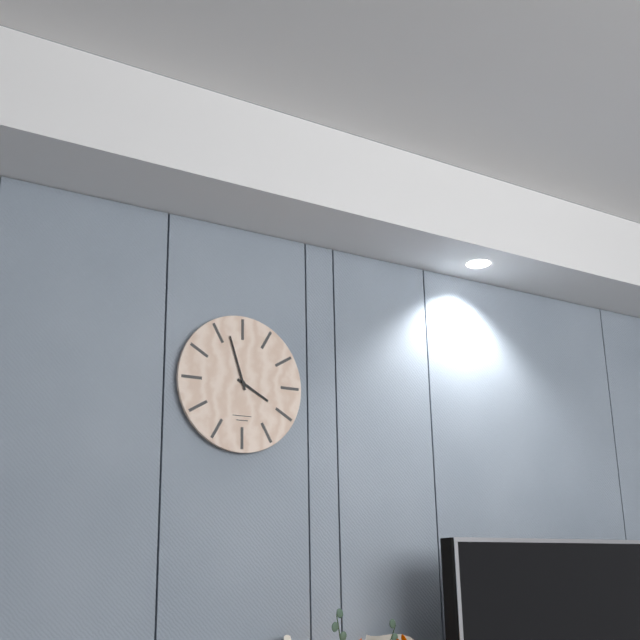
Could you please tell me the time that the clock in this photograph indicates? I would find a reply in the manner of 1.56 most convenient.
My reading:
3.57
